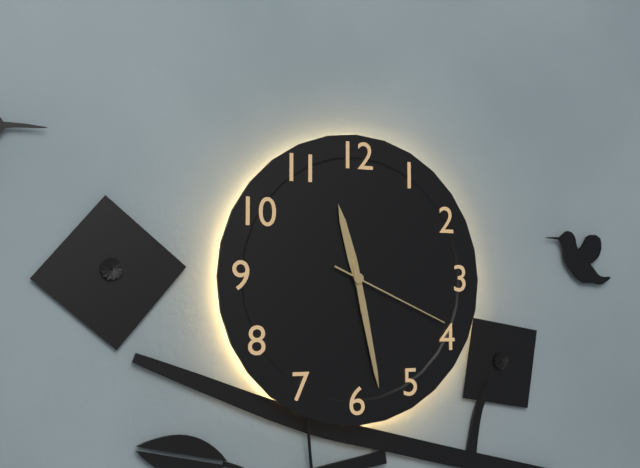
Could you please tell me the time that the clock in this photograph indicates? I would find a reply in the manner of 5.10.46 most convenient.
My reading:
11.28.19
